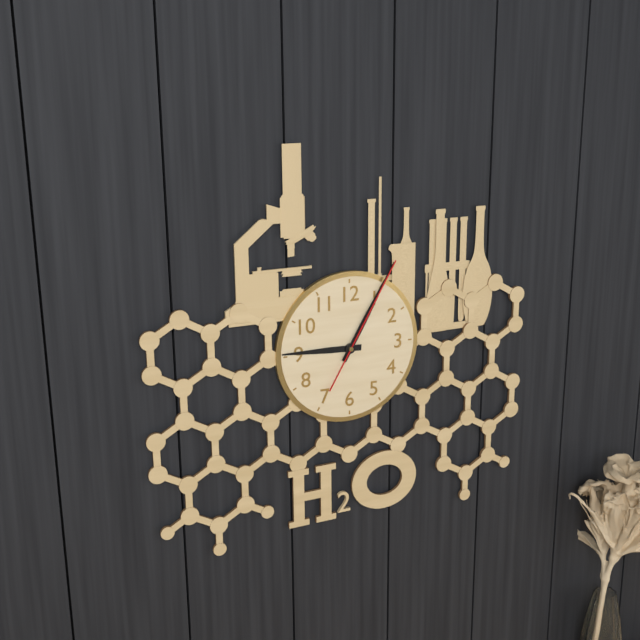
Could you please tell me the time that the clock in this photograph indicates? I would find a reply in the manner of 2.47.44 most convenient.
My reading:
9.05.05
